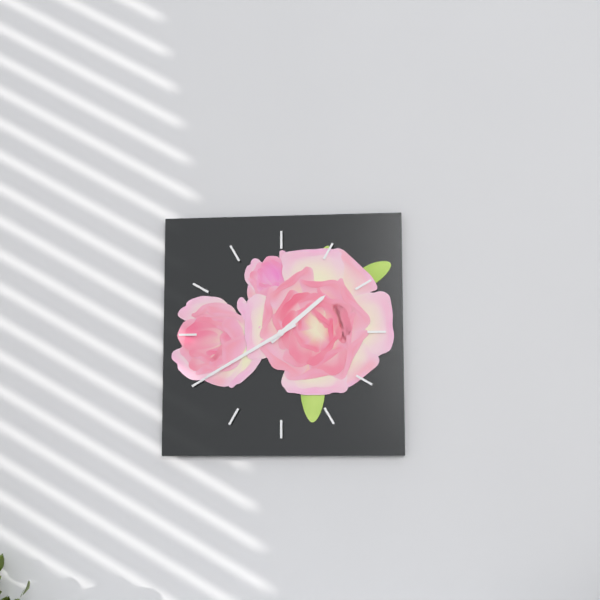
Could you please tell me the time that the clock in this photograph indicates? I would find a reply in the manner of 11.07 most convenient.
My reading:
1.40
